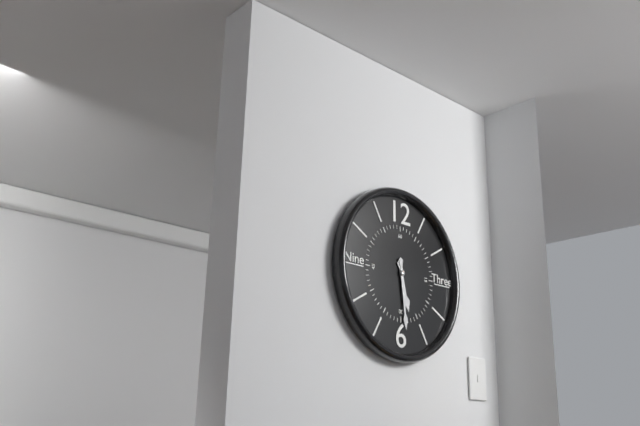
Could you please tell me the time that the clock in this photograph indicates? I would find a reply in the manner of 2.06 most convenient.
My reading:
5.29
